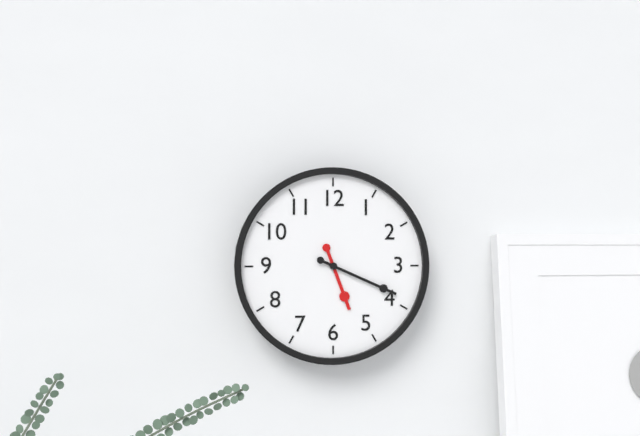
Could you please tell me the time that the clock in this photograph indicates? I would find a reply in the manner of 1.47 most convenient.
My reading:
5.19
